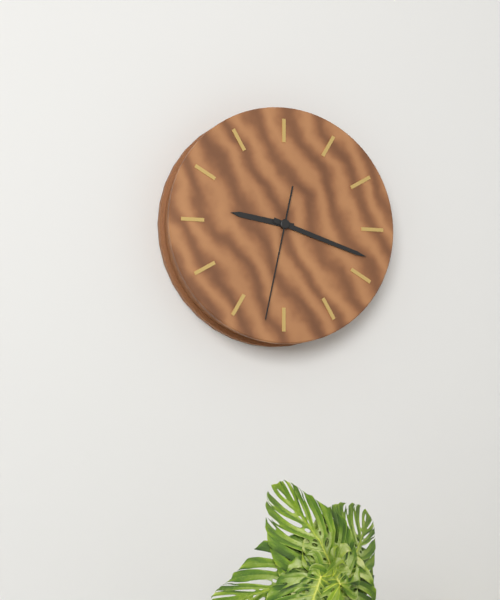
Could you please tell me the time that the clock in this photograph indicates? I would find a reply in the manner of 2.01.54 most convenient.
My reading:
9.18.32
